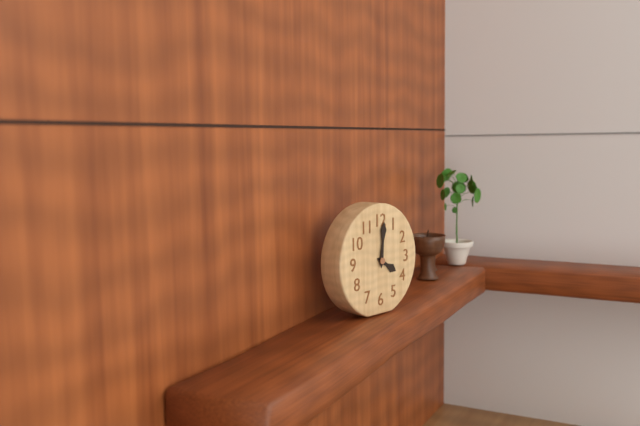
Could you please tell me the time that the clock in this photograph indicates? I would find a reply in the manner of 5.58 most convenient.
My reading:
4.01
